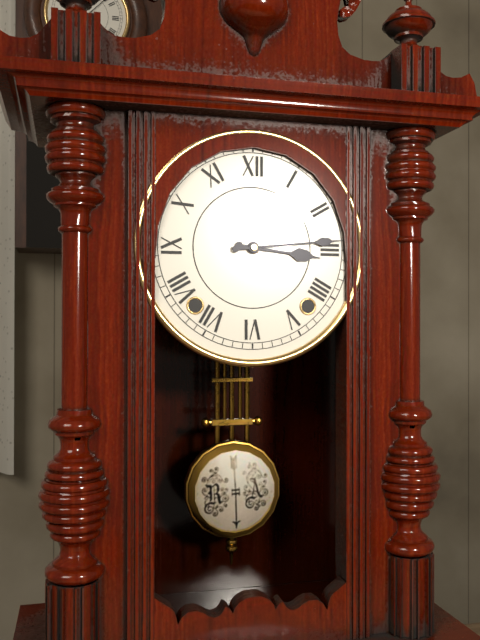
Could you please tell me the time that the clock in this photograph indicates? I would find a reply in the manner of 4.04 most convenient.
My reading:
3.14
